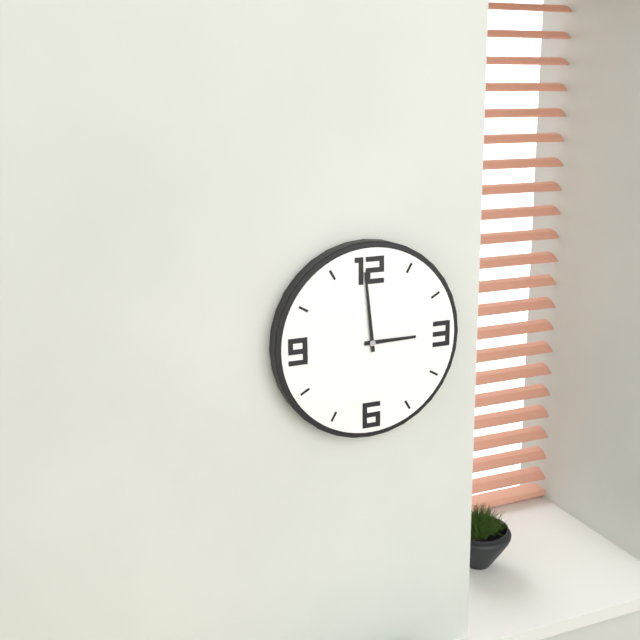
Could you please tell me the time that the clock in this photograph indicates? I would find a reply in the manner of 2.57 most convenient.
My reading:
2.59
